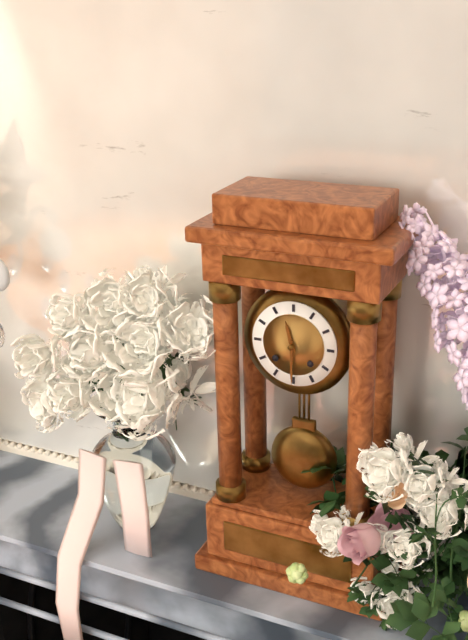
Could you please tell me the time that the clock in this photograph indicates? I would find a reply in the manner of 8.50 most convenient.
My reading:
11.30
